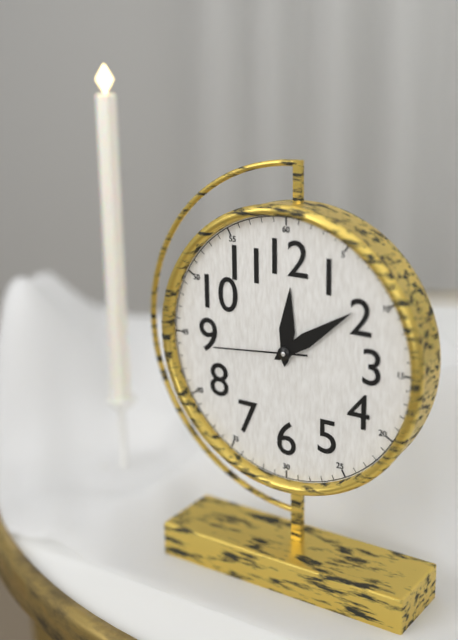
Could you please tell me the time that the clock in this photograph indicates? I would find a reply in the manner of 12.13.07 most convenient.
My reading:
12.09.44
